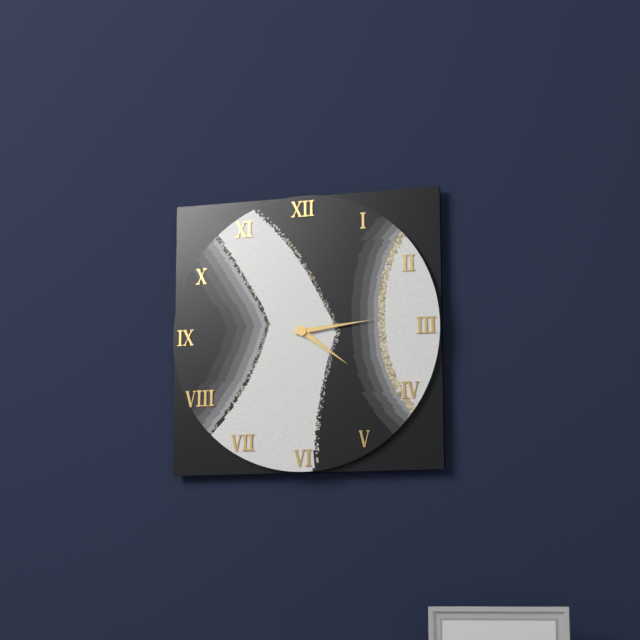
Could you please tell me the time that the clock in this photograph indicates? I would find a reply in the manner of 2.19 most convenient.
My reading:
4.14
